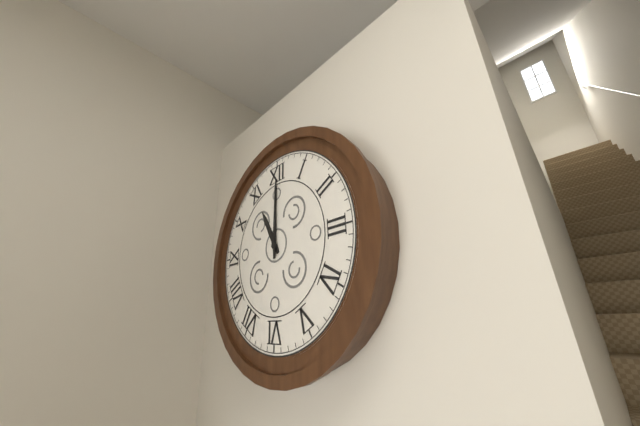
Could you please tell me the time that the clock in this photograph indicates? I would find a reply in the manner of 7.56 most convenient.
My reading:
11.00
